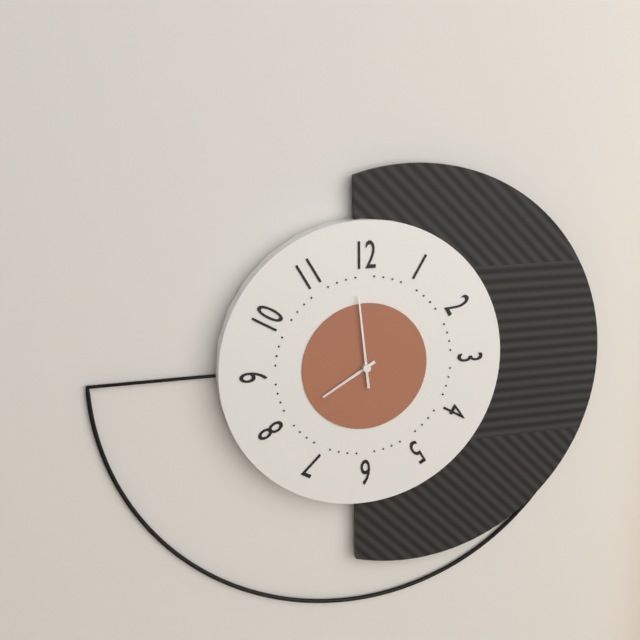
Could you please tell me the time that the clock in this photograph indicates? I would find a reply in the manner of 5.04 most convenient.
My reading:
7.59
